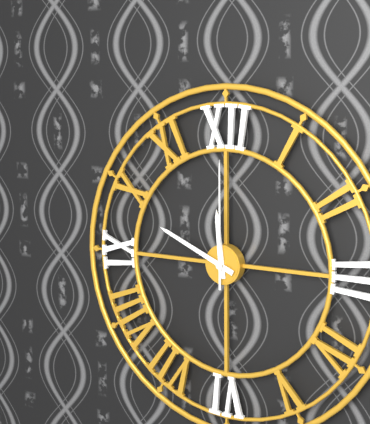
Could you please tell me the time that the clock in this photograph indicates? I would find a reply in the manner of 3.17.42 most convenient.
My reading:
11.49.00
